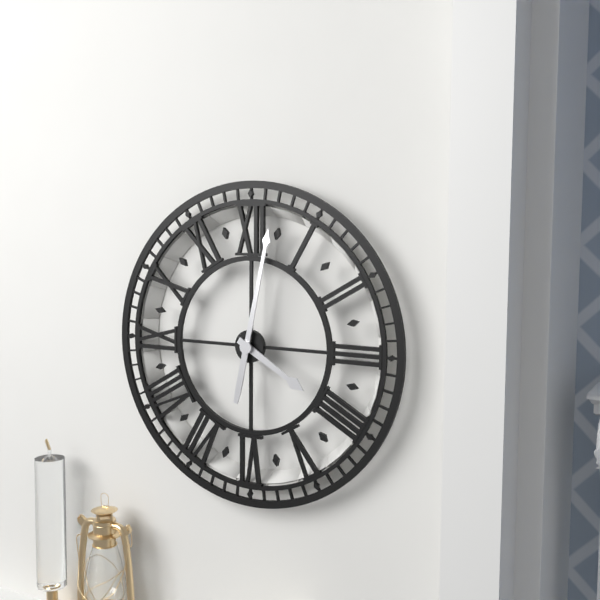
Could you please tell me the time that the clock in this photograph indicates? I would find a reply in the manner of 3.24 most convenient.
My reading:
4.02
